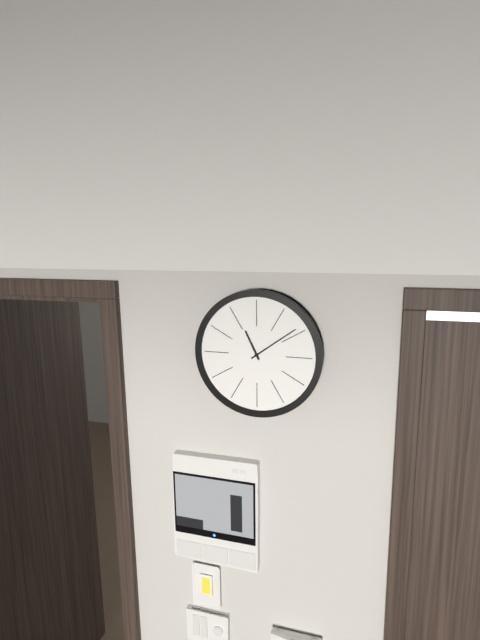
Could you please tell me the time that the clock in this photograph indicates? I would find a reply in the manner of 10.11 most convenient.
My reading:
11.09
